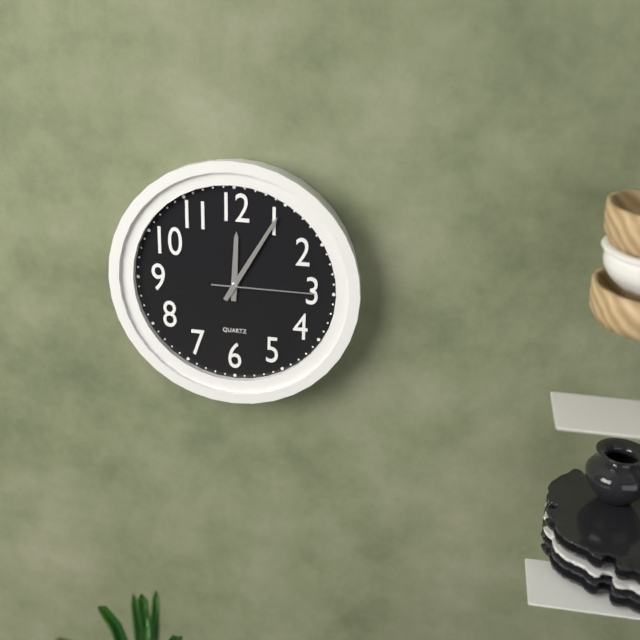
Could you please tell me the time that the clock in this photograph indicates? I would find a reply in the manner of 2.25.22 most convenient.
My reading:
12.05.15
